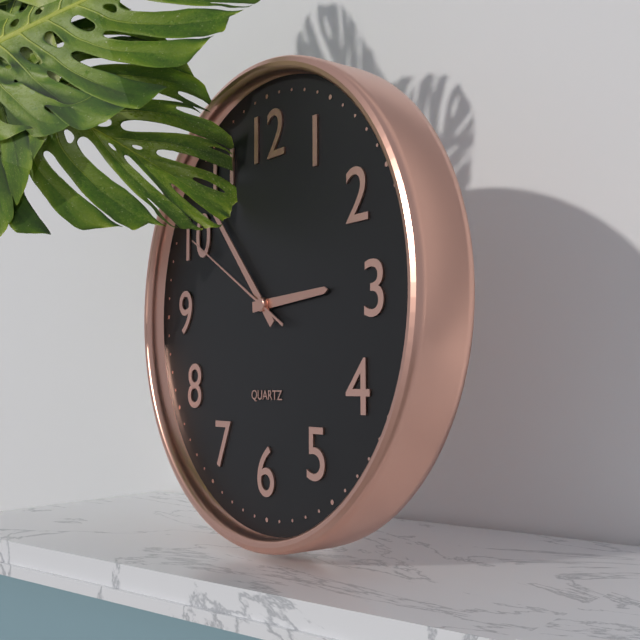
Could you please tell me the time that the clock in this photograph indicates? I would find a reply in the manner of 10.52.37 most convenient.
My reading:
2.53.50
